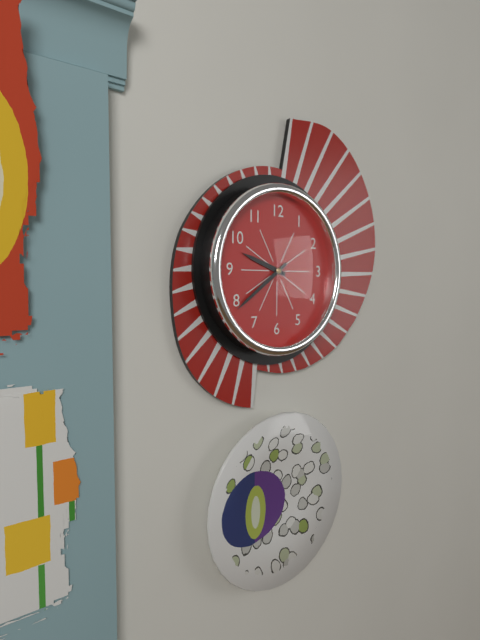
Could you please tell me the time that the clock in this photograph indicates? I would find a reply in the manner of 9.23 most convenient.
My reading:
9.39
